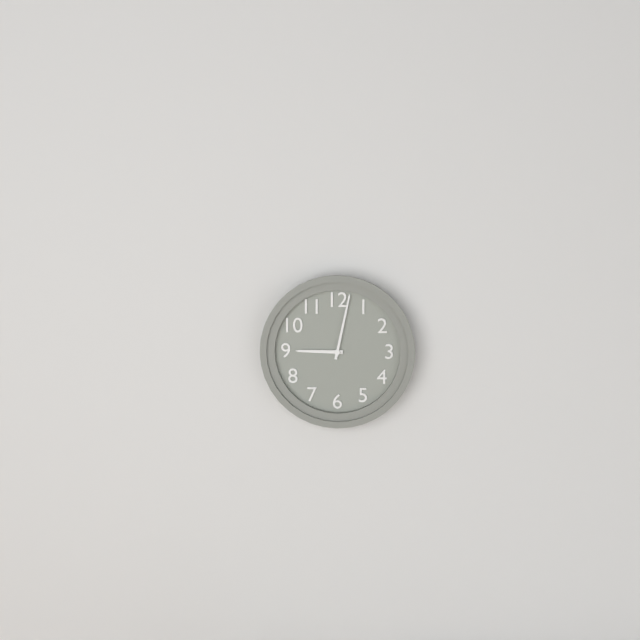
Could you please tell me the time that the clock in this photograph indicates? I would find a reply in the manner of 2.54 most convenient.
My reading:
9.02
